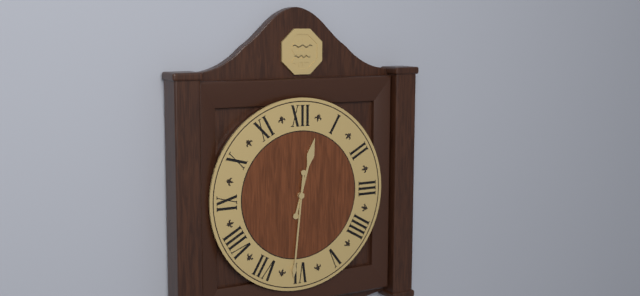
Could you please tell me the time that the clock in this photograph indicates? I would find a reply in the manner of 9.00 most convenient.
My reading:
12.31
